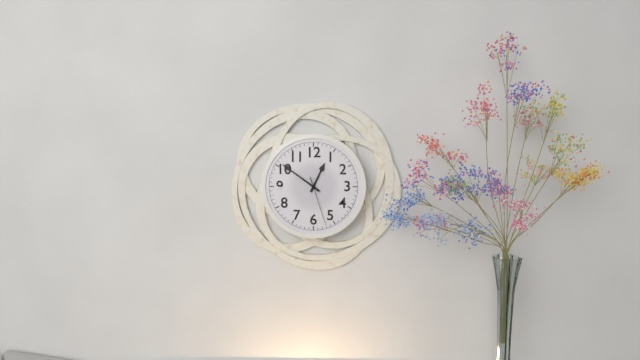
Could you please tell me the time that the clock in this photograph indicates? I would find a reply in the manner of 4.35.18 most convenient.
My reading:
12.51.27
